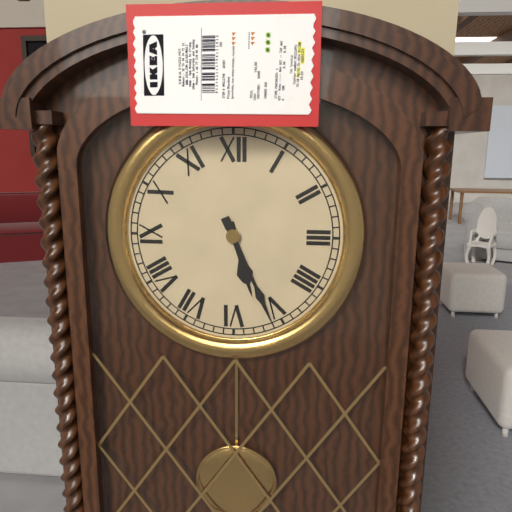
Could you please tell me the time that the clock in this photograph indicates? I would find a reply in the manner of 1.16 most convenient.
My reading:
5.26
